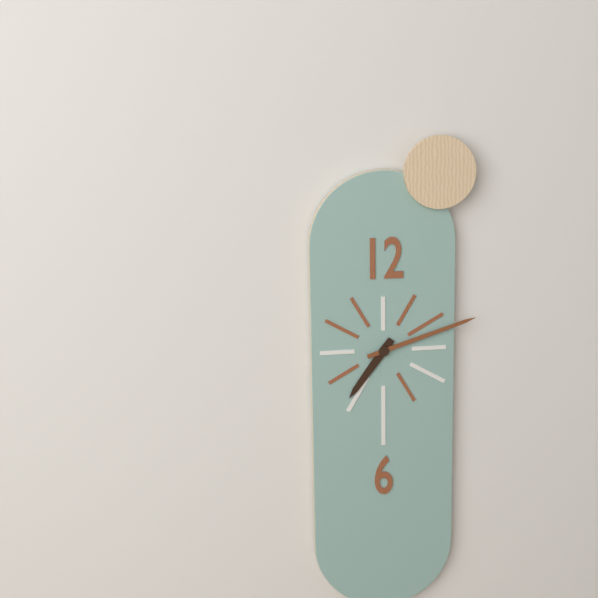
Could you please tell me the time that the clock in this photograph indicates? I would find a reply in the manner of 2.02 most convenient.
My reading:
7.12
